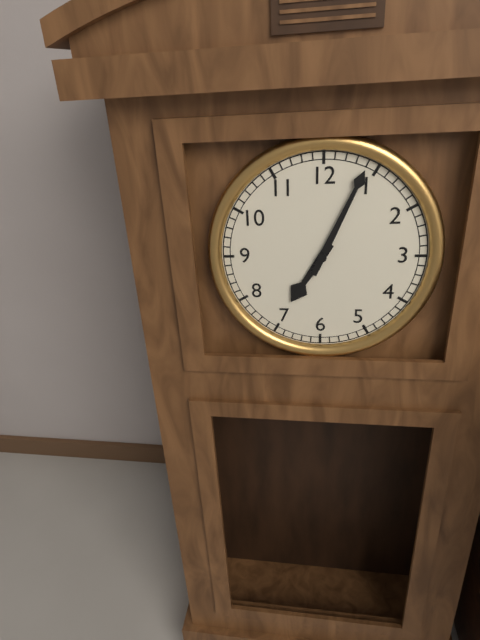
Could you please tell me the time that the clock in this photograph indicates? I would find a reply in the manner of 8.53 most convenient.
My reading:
7.04
